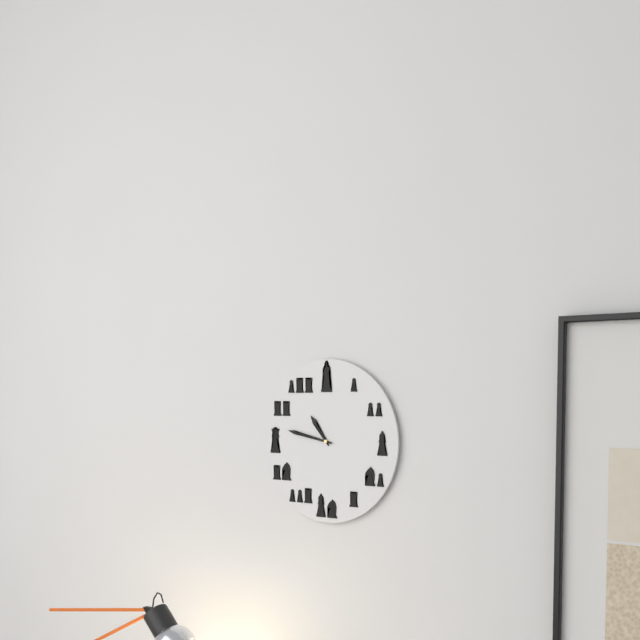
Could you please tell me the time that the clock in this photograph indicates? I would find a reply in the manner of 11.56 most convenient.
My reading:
10.47
